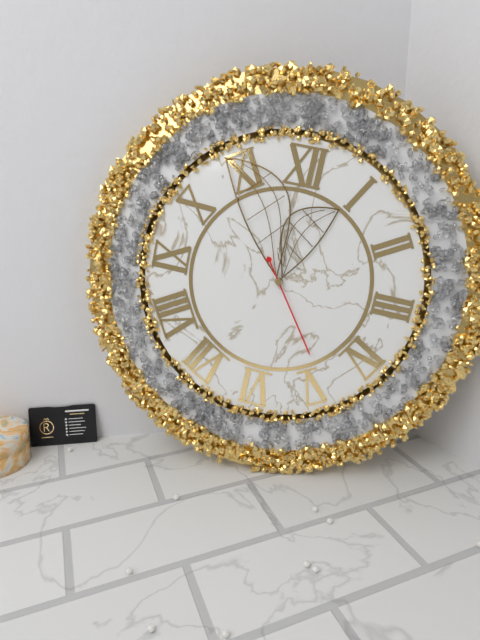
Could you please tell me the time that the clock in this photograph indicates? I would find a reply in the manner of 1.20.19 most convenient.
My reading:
12.54.24
